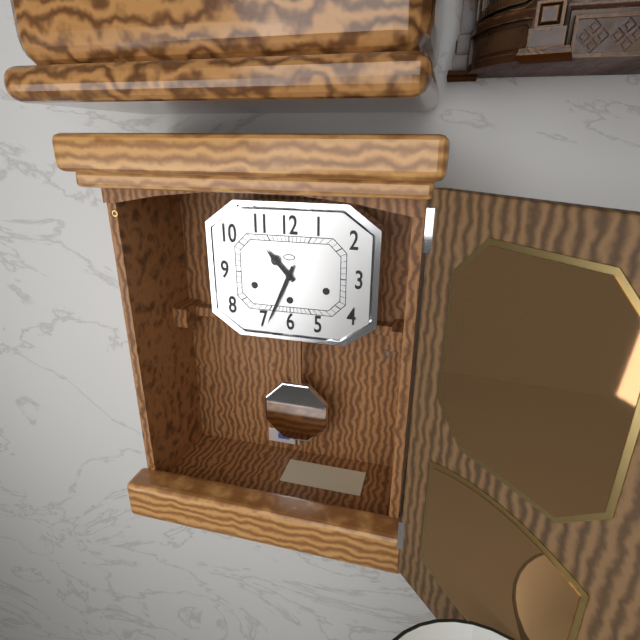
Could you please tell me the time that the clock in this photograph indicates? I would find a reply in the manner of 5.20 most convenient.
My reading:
10.34
